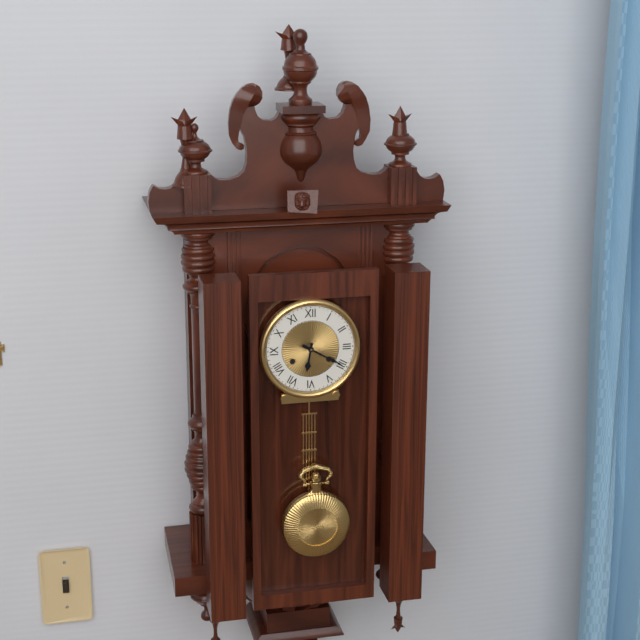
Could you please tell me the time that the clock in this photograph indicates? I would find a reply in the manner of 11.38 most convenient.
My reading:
6.20
